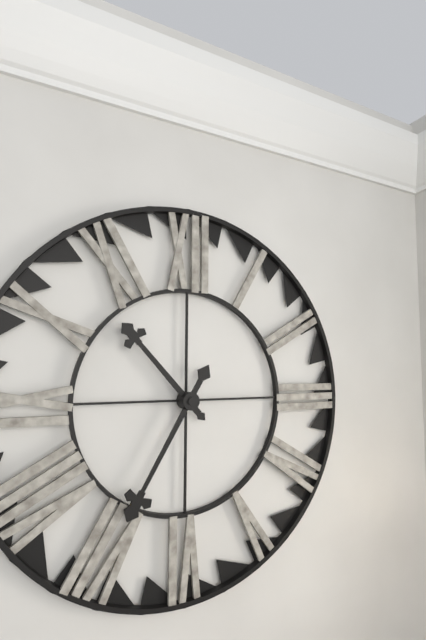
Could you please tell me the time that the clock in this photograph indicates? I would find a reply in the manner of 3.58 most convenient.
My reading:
10.35
